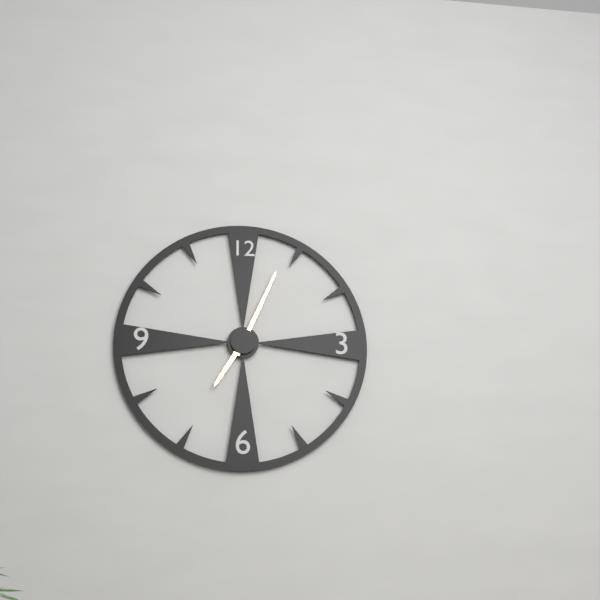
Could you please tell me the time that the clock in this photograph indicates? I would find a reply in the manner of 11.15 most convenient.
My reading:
7.04
